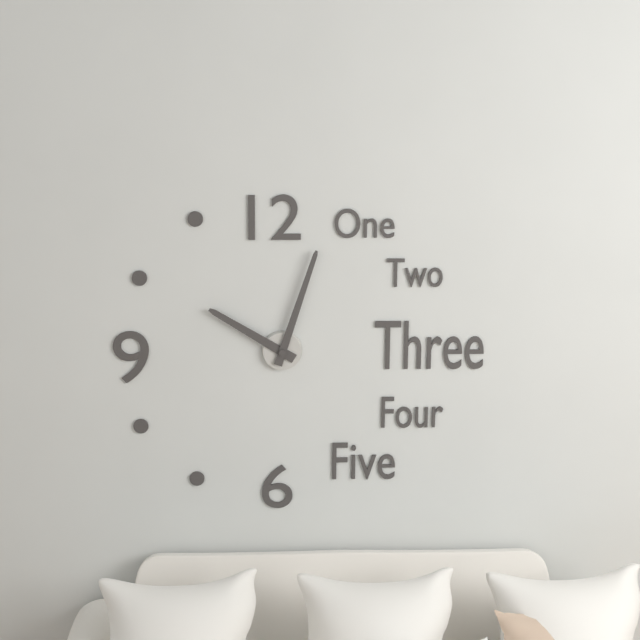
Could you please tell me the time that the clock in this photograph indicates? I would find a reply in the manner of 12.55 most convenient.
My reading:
10.03
